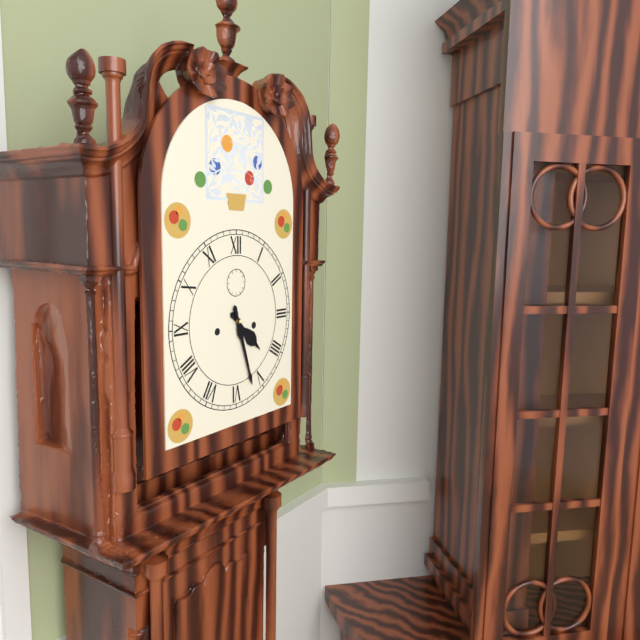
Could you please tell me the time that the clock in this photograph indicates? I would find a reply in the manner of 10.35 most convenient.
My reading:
4.27
